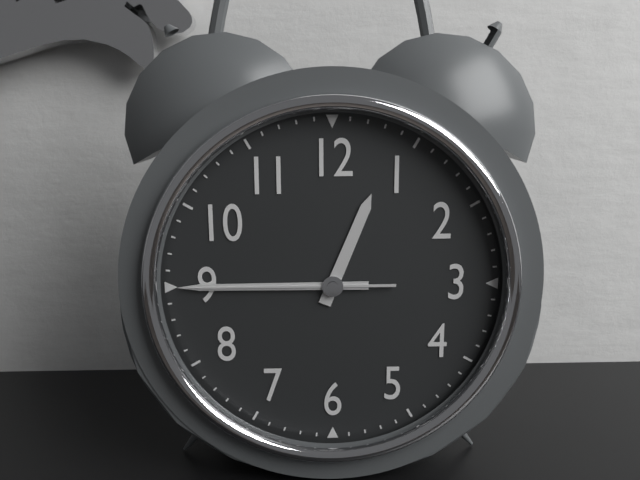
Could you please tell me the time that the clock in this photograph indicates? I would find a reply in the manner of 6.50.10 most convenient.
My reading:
12.45.45
